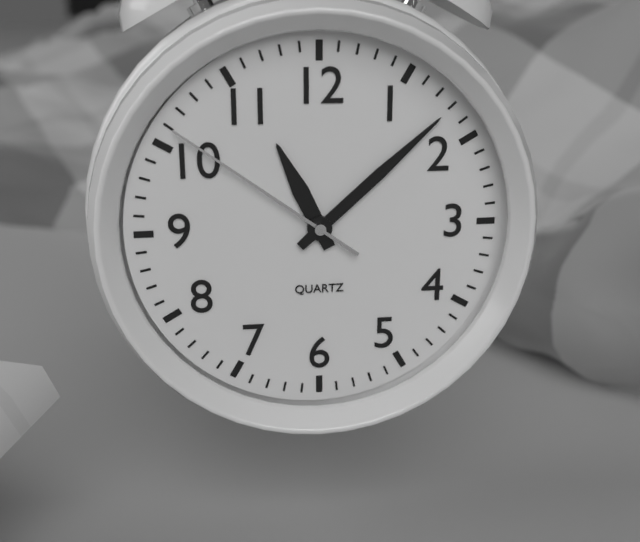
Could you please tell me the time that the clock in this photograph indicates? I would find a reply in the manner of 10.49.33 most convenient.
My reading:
11.08.51
